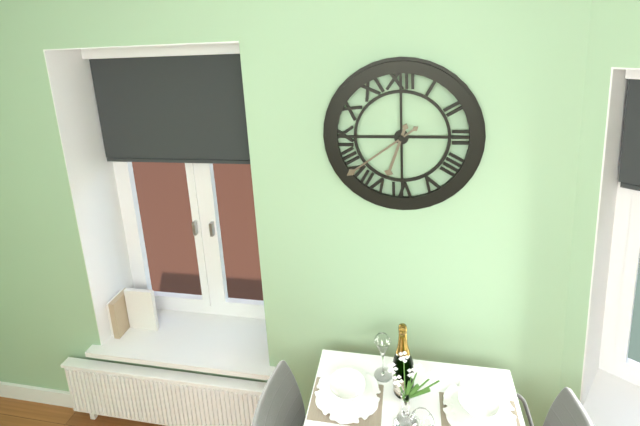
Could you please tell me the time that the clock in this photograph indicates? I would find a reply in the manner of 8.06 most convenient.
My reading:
6.39
